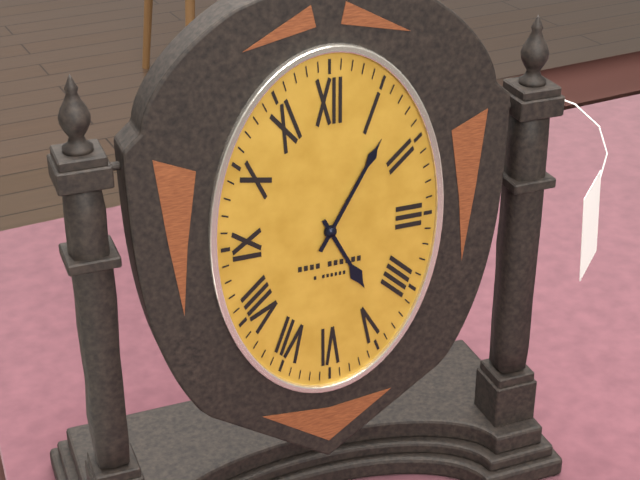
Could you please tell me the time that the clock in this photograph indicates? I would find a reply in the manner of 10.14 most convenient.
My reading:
5.05
